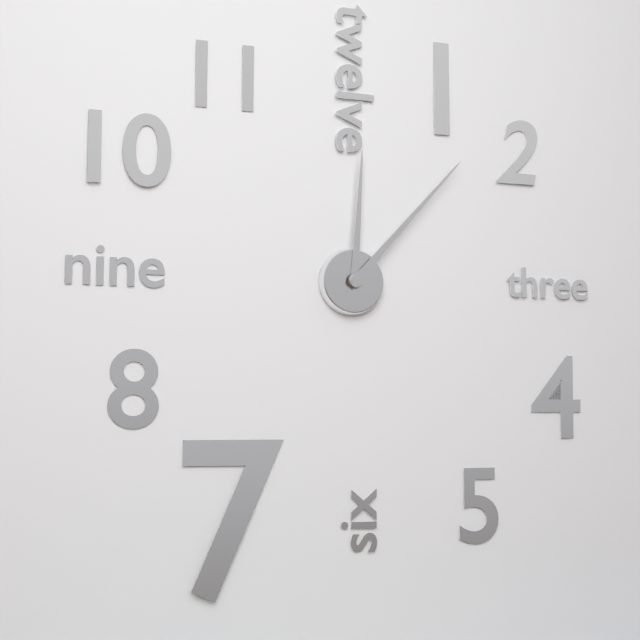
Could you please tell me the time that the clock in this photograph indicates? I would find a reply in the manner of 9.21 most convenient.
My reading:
12.07
